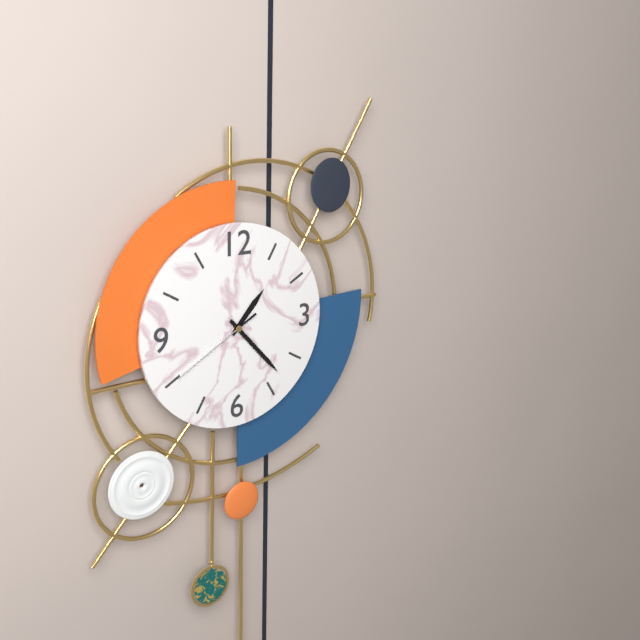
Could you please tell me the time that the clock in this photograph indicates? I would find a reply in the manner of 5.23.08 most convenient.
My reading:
1.23.40
